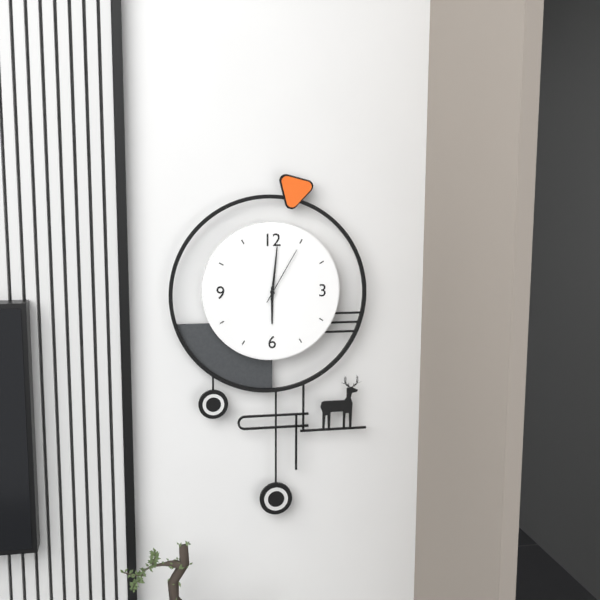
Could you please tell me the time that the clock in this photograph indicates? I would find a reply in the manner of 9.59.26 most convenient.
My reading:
6.01.05
